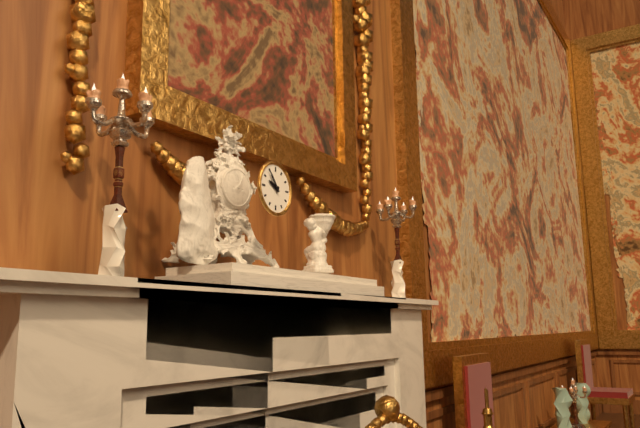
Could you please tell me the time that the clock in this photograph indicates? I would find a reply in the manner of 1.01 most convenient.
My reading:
9.54
